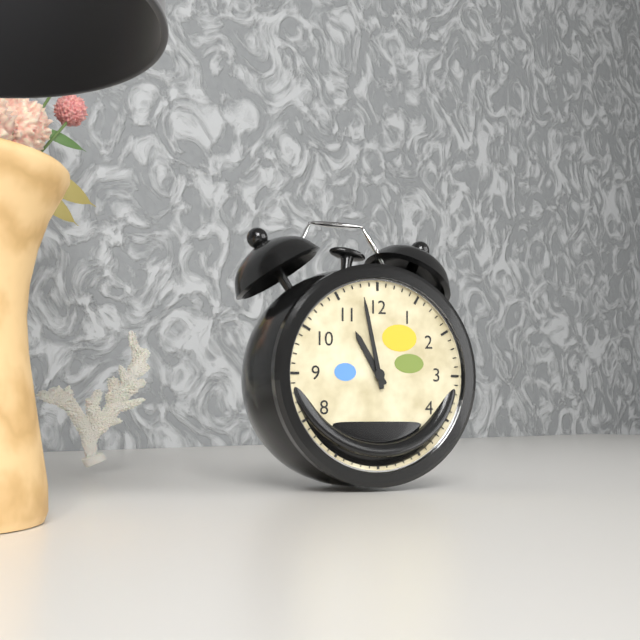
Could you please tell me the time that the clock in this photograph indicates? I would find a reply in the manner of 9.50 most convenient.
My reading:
10.58
